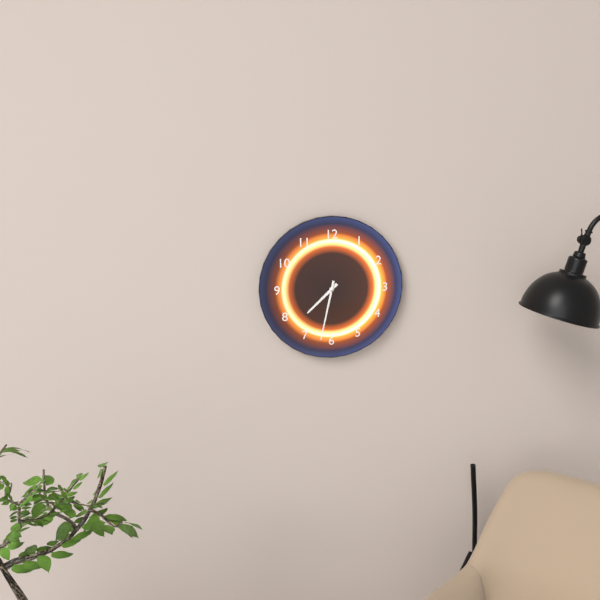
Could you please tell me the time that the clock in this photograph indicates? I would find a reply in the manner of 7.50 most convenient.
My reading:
7.32
